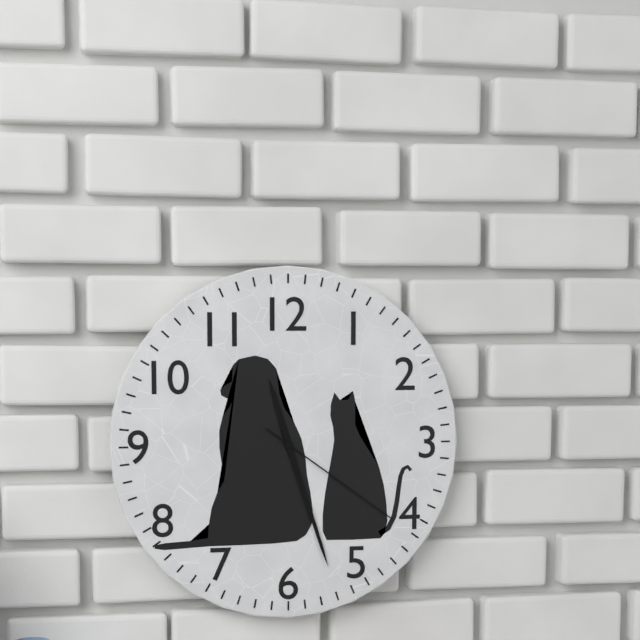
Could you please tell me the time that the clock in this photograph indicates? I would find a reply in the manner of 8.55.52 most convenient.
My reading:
11.27.21
